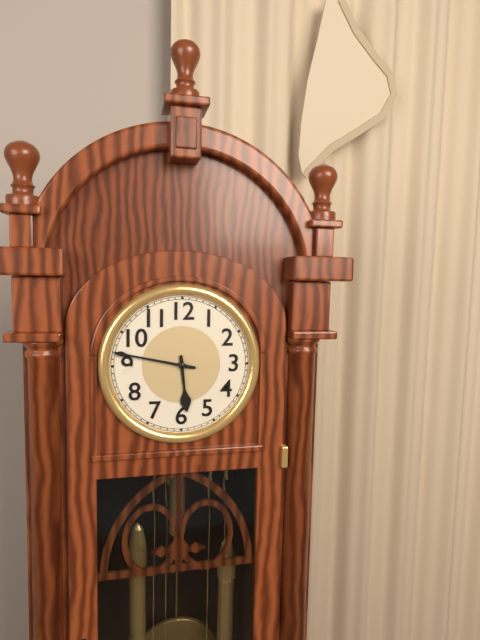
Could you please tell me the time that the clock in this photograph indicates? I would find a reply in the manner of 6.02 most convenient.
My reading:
5.47
